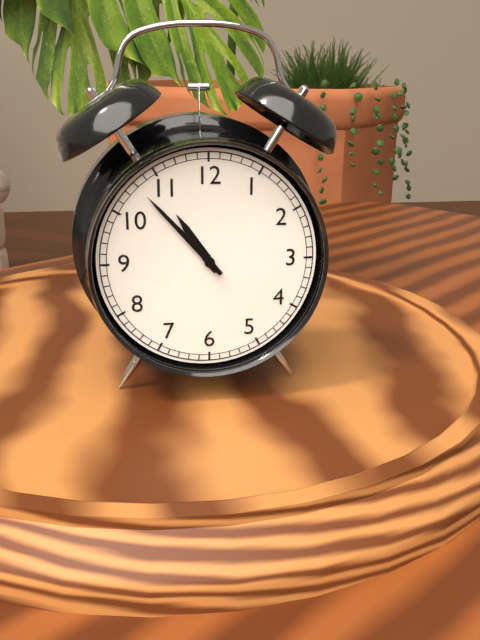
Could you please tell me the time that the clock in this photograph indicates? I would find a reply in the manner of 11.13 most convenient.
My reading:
10.53
